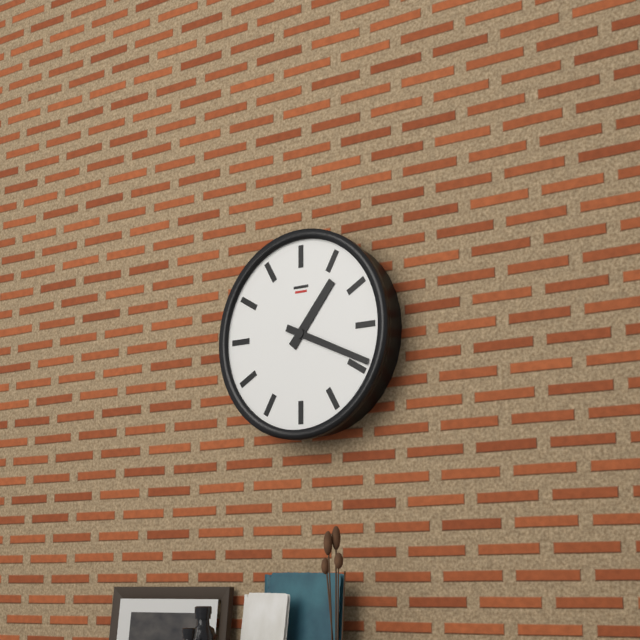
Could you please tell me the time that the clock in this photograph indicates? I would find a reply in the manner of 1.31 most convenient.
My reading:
1.19
